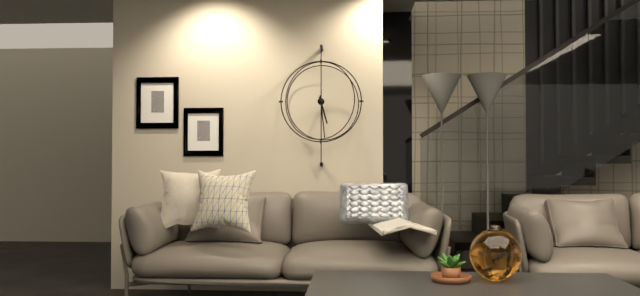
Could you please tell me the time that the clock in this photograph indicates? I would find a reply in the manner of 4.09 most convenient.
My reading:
5.29
